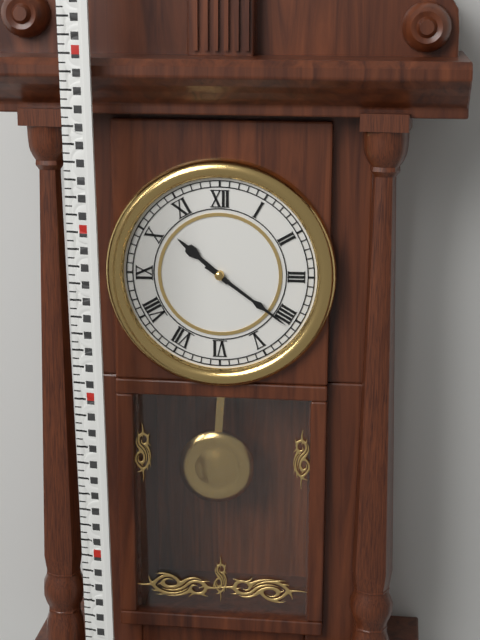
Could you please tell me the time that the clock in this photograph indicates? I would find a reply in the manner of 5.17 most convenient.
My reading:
10.21
